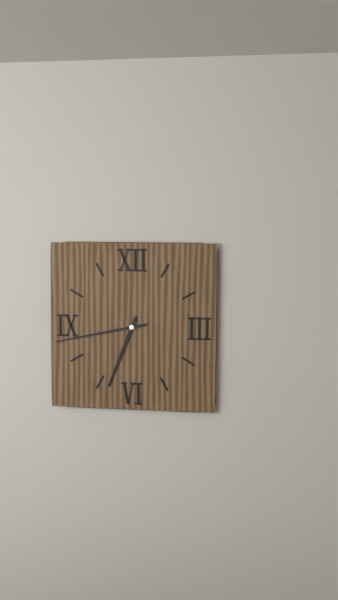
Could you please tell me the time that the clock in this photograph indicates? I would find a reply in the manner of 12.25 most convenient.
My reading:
6.43
